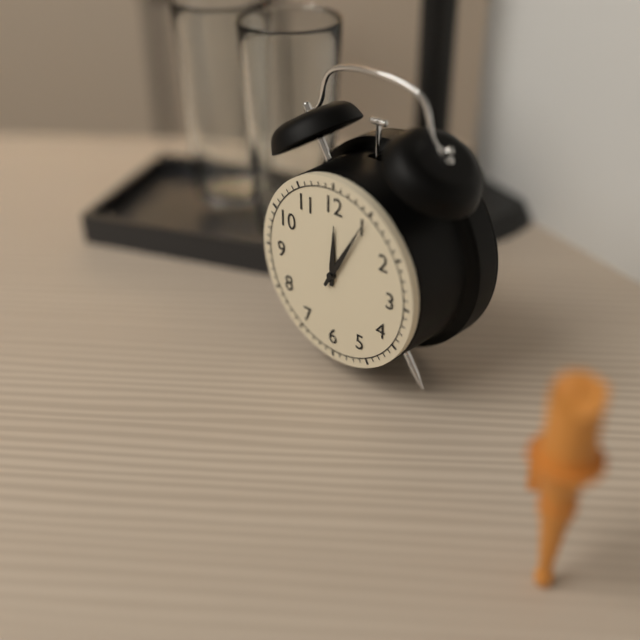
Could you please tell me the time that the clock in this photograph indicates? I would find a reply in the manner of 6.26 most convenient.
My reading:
12.05
